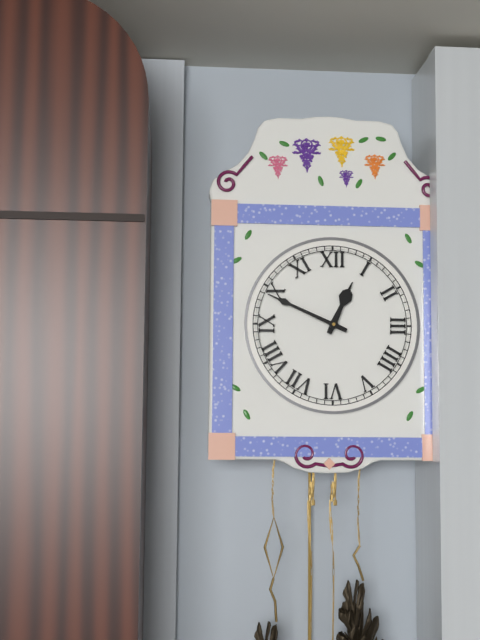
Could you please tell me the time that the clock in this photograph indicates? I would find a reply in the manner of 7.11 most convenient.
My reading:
12.49
